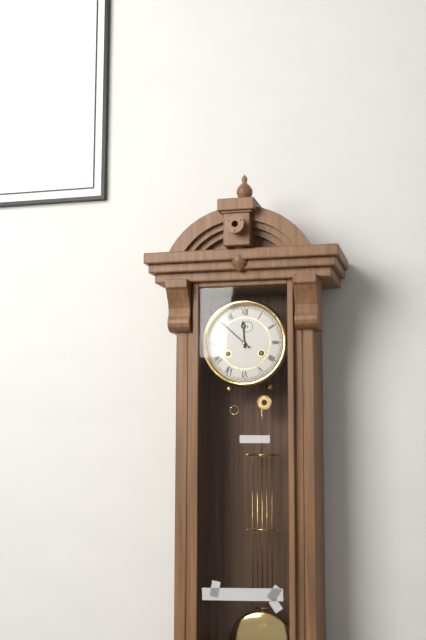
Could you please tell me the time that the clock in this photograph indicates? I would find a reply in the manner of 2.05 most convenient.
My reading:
11.52
